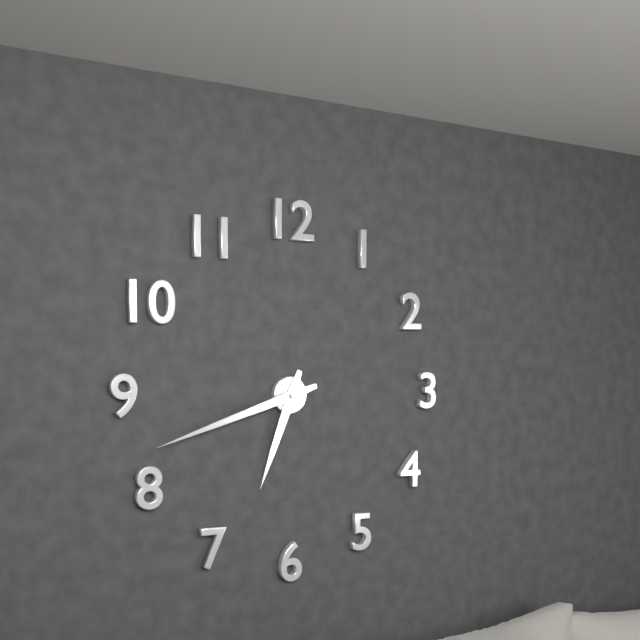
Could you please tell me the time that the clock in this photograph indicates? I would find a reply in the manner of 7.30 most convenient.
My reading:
6.42
